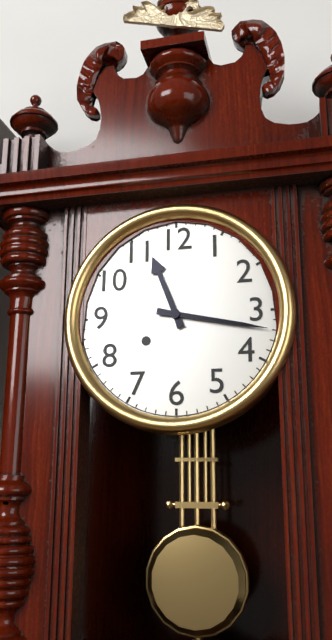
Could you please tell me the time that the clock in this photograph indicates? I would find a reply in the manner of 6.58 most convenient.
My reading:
11.17
